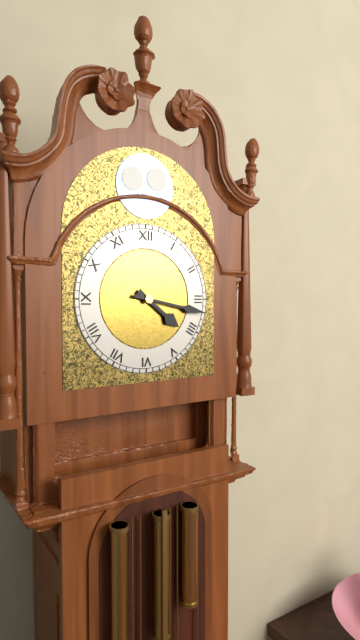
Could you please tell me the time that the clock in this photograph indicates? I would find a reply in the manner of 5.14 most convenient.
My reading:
4.17
